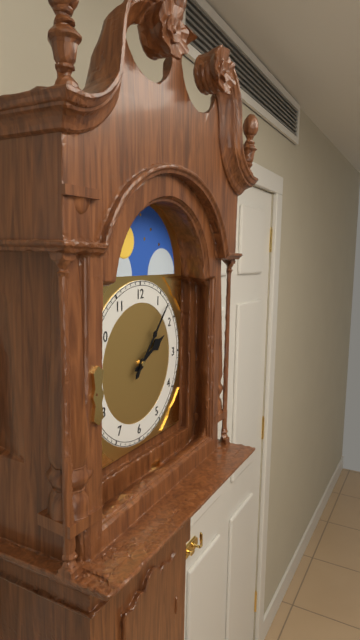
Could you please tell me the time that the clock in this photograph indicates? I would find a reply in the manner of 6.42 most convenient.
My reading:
2.07
